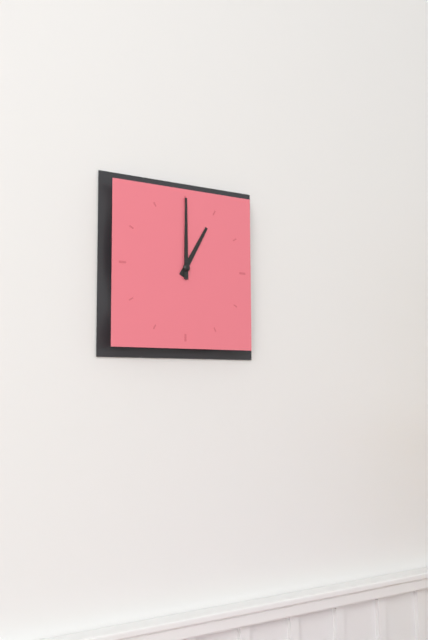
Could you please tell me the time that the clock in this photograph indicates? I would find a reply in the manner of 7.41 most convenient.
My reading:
1.00
